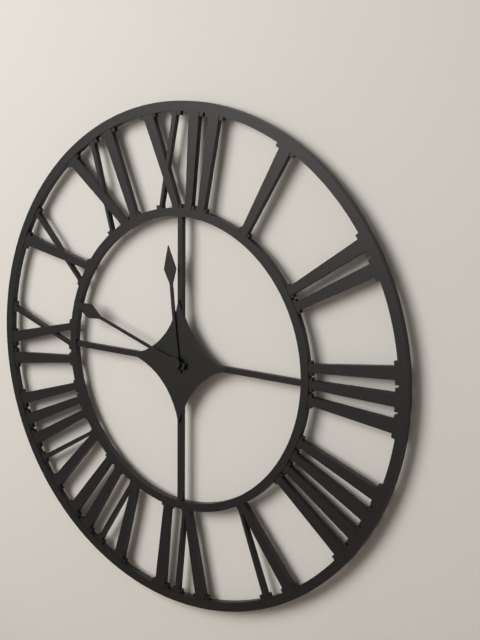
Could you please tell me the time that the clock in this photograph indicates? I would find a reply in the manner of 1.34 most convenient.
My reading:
11.48
